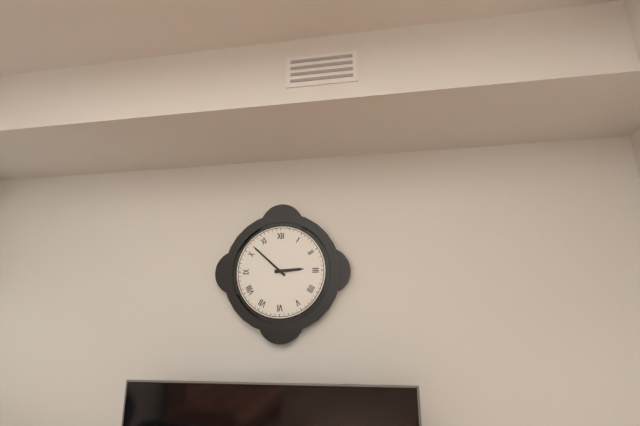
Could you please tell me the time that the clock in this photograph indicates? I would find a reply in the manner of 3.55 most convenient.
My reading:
2.52
